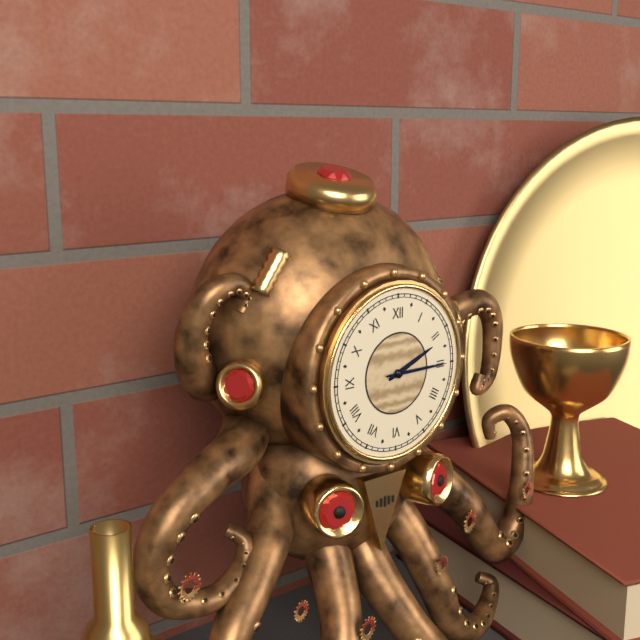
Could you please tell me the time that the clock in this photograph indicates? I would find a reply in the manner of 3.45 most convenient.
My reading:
2.15
